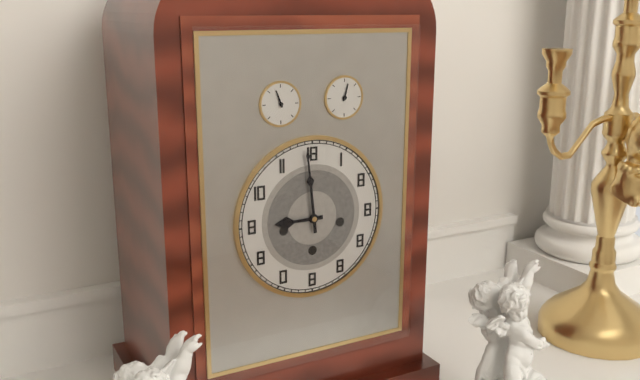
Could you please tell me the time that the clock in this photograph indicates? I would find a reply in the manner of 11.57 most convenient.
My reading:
8.59
